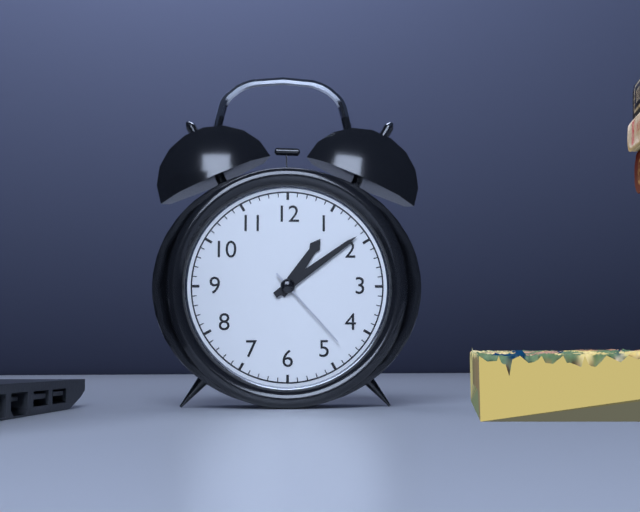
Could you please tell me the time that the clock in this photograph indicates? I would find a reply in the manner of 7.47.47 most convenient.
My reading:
1.09.23
